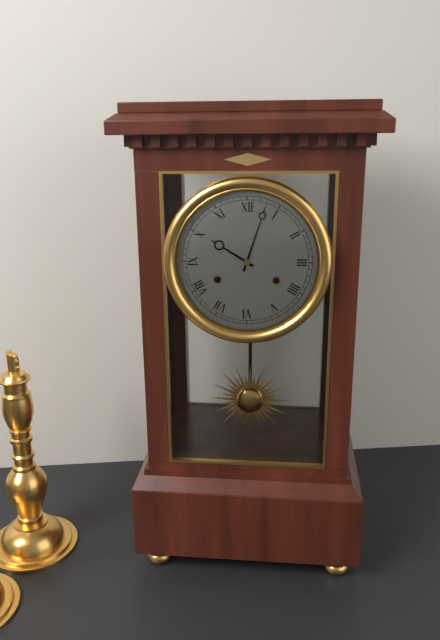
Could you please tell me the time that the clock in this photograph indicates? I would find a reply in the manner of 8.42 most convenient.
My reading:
10.03
